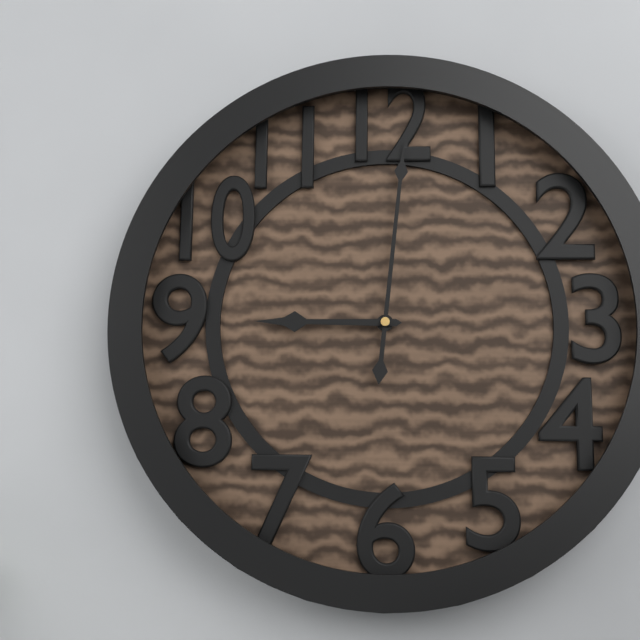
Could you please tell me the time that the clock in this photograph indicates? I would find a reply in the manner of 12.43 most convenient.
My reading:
9.01
